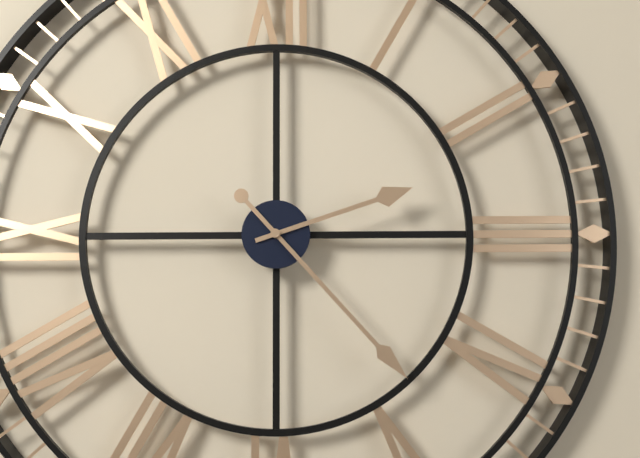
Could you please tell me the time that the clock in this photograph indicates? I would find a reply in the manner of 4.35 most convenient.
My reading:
2.23
